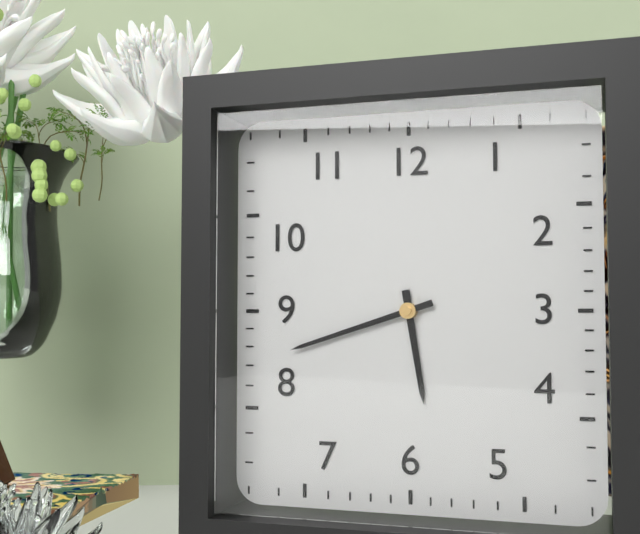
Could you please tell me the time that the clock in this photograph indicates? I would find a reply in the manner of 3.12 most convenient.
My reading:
5.42
